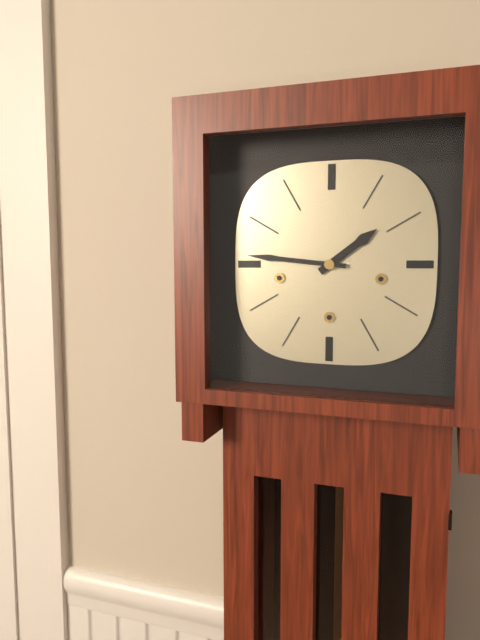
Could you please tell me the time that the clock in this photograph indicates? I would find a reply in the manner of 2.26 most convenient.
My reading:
1.46
